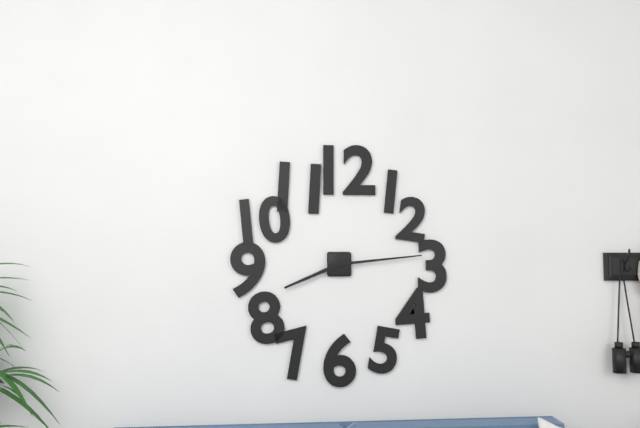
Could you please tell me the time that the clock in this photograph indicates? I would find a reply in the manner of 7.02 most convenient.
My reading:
8.14
